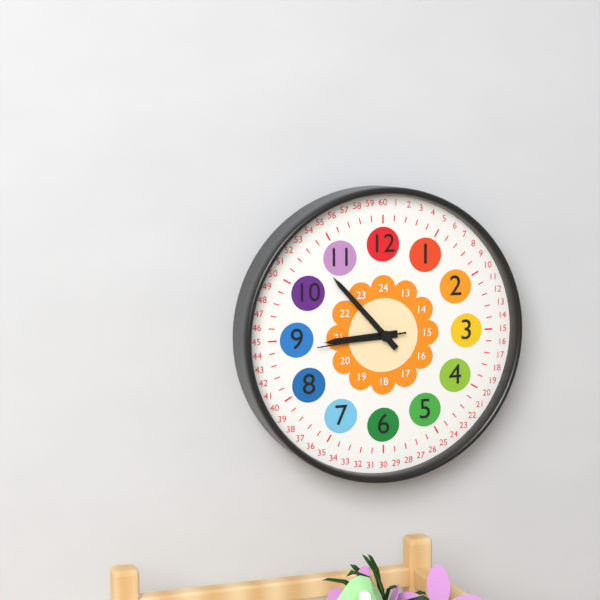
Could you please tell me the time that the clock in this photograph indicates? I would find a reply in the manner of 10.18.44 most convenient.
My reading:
8.53.44
